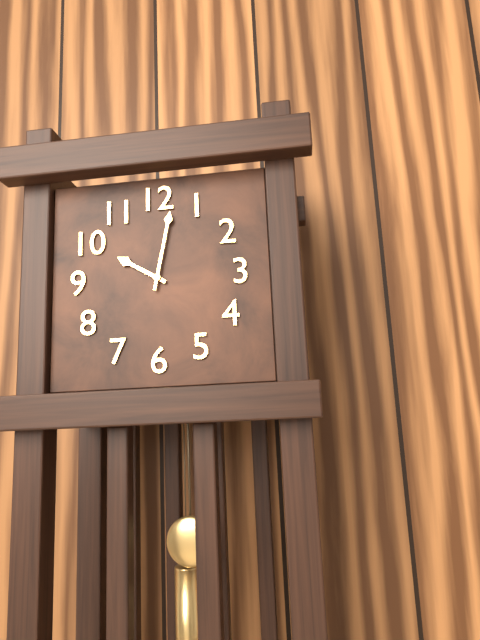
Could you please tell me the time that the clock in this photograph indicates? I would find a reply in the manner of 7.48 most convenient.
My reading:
10.02
